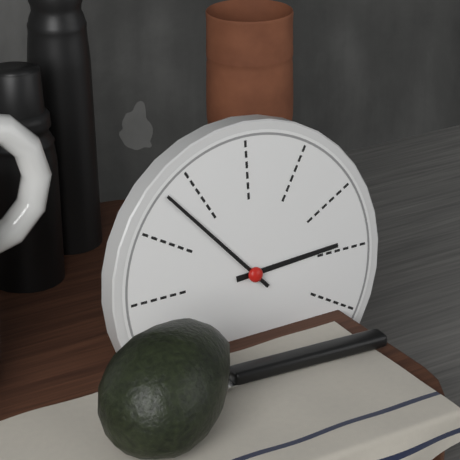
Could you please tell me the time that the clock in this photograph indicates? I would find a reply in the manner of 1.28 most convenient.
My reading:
2.53
